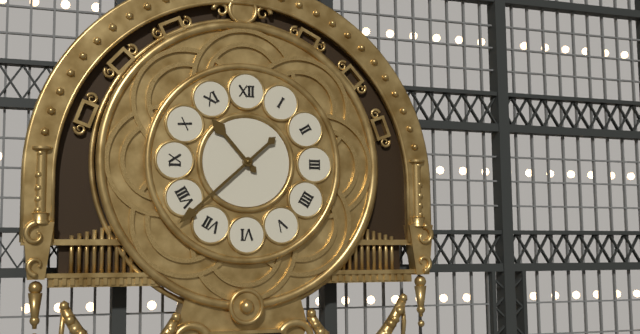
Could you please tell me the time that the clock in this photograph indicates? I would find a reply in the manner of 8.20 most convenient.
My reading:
10.38
